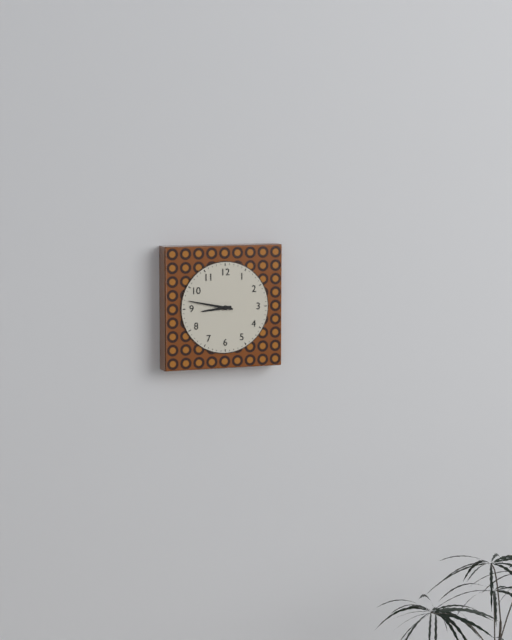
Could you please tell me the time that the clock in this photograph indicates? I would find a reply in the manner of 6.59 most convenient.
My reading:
8.47
